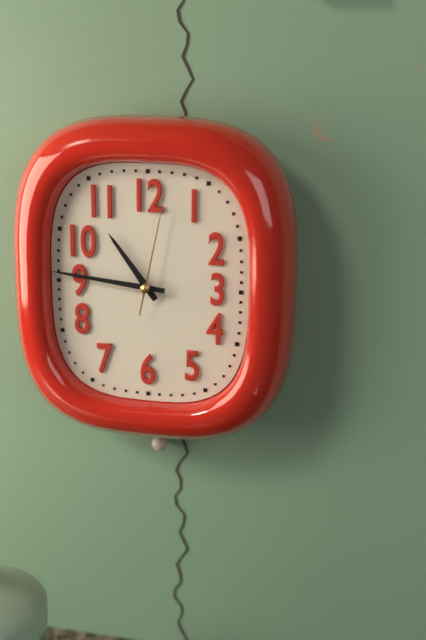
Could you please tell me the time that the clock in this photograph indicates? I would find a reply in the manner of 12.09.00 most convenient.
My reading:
10.46.02
